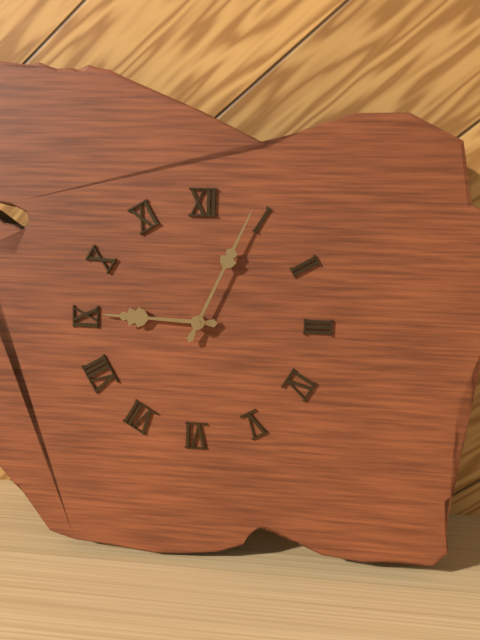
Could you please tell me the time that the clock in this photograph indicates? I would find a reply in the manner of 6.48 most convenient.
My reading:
9.04
